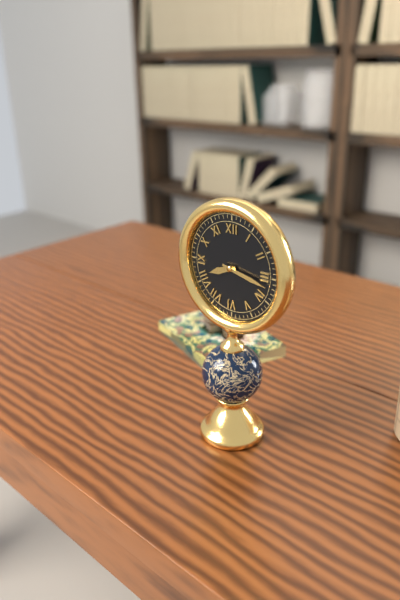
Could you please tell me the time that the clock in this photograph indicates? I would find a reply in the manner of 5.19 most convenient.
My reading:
8.17
